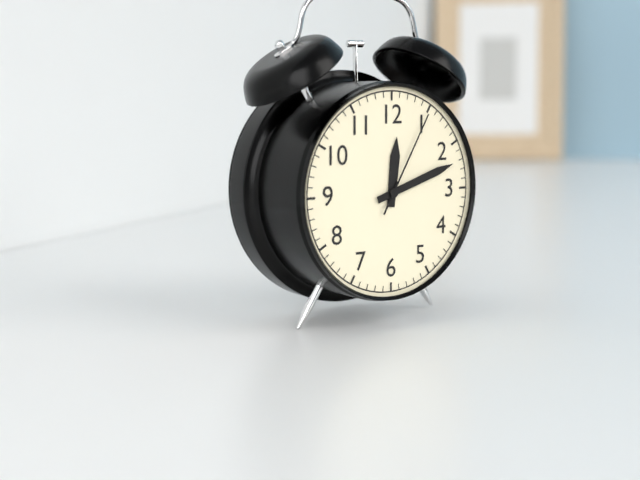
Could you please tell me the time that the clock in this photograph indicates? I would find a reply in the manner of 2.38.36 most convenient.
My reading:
12.12.05
